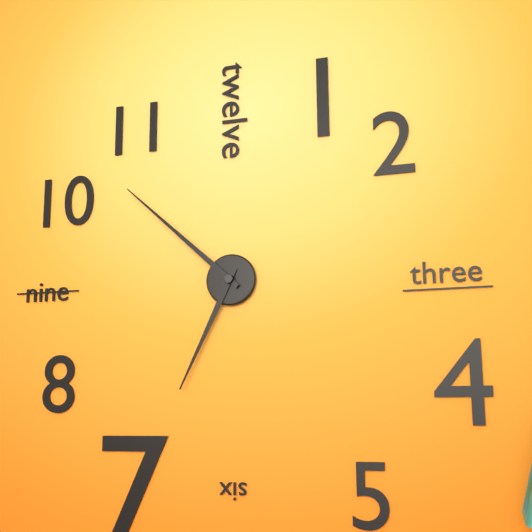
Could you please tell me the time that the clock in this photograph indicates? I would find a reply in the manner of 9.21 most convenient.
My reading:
6.52
